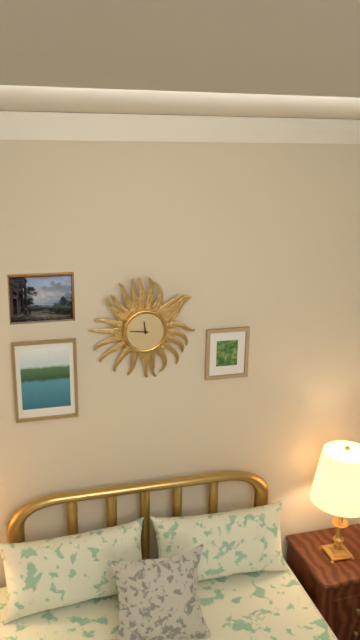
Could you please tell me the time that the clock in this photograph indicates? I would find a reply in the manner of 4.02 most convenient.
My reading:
11.46
